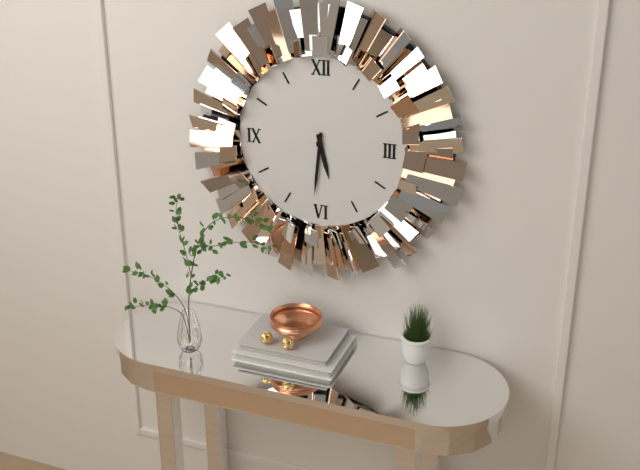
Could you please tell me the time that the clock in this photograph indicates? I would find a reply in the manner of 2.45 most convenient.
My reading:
5.31
